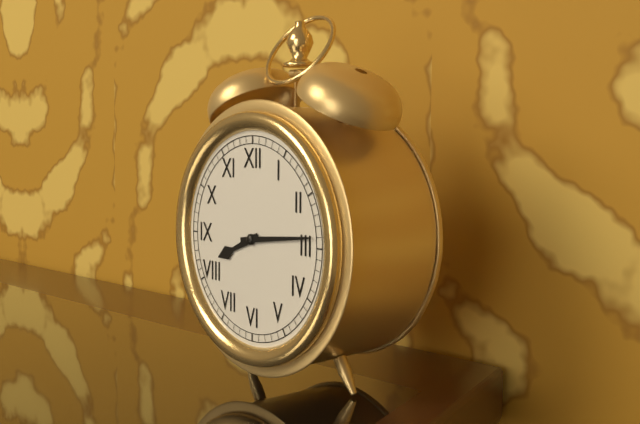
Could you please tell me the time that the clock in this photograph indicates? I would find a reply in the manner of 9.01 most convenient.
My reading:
8.14
